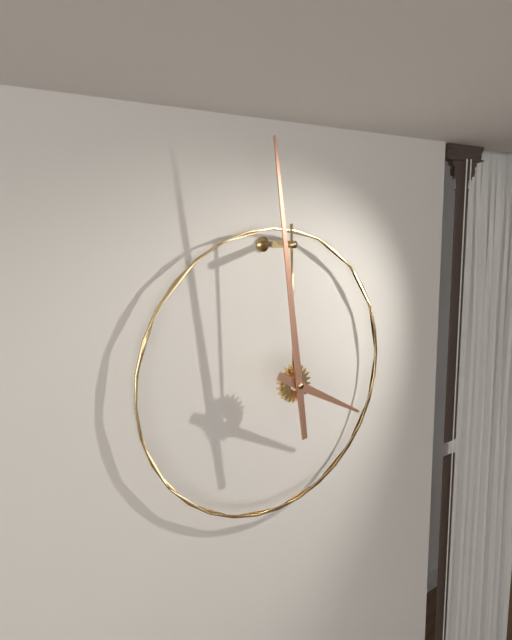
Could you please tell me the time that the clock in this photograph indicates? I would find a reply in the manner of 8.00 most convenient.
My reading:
3.59
